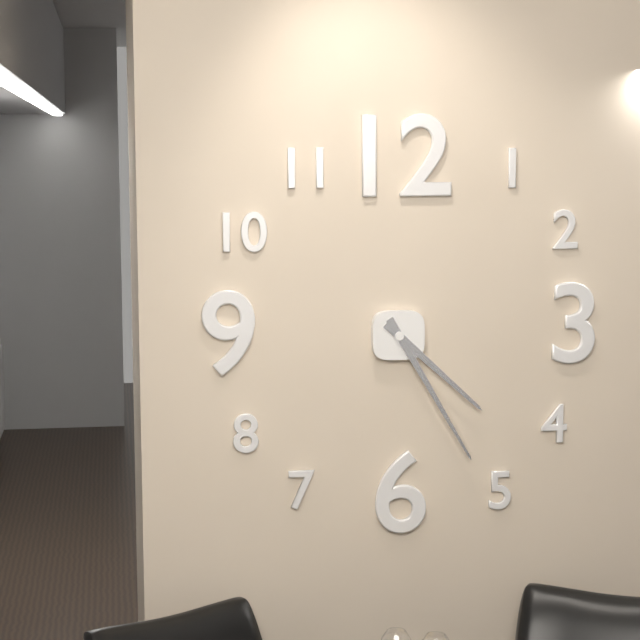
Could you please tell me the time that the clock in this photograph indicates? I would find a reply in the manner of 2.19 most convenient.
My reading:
4.25
